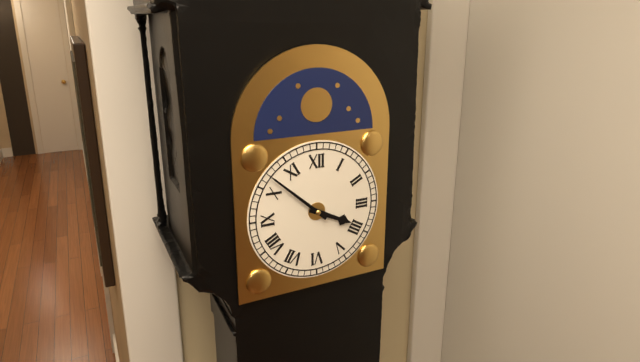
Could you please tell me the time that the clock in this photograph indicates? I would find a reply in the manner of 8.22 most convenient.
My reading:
3.52
